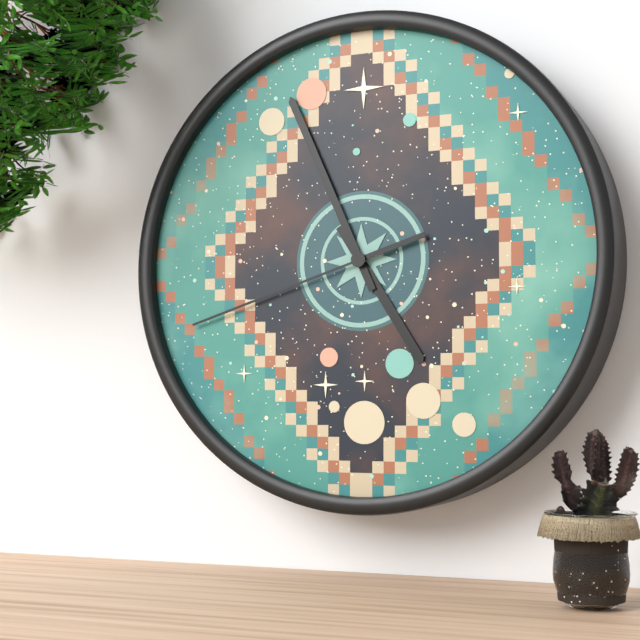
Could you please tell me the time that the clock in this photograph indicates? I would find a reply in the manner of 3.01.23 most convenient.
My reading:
4.56.42
